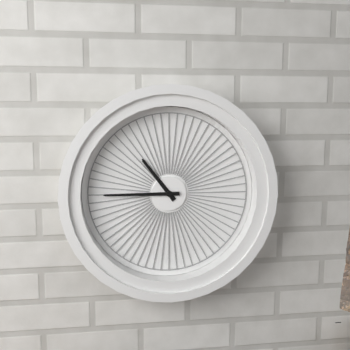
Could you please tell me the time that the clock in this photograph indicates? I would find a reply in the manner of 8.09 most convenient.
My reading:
10.45
